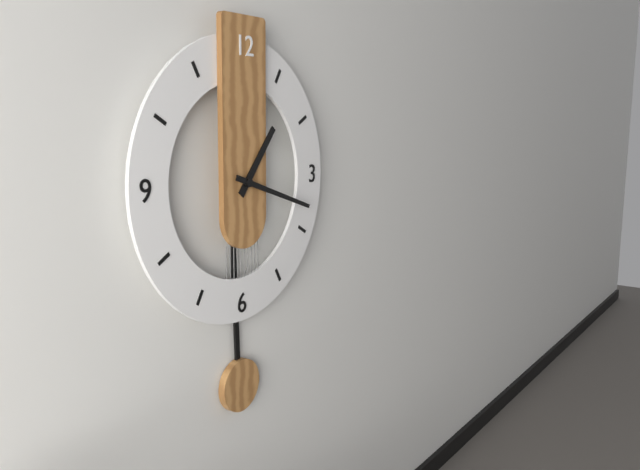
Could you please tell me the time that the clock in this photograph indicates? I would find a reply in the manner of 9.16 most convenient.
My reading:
1.18
